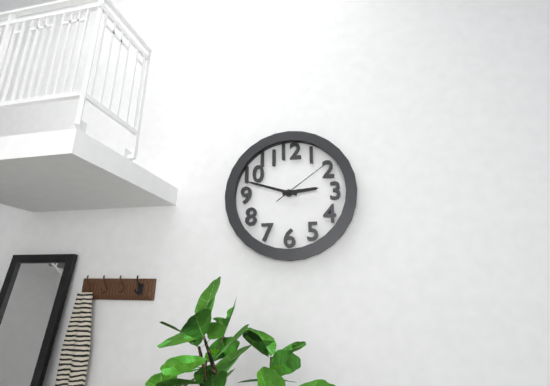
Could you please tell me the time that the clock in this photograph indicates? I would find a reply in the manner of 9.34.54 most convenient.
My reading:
2.48.09
